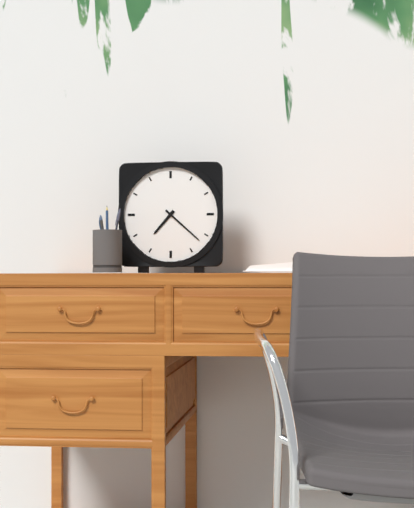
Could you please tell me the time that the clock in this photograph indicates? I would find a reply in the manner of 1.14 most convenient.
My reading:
7.22
